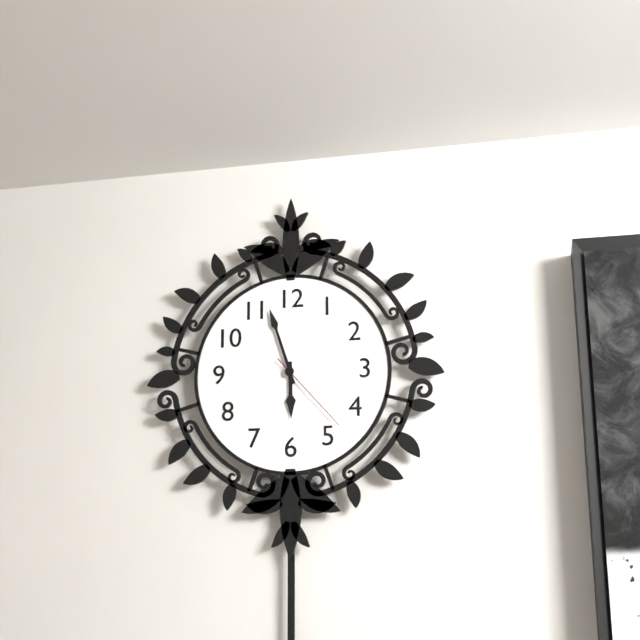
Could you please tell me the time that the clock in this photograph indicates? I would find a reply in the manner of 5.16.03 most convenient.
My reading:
5.57.23
